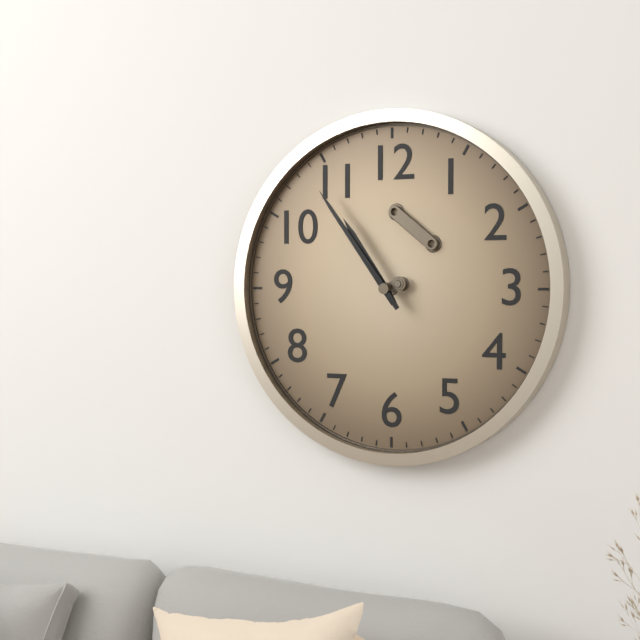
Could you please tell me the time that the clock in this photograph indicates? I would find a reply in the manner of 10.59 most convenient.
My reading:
10.54
